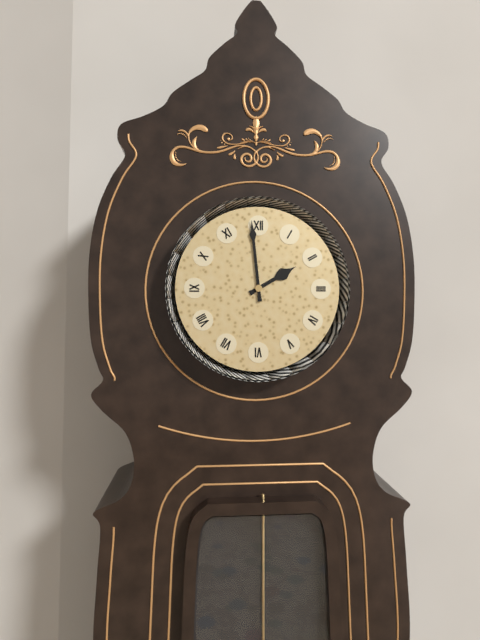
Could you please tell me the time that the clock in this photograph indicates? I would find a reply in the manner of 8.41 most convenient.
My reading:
1.59
